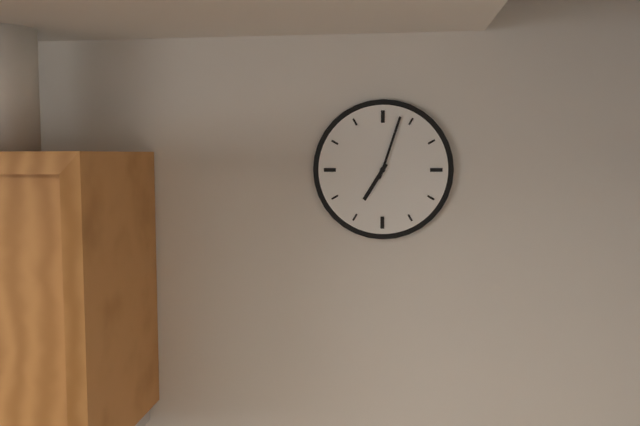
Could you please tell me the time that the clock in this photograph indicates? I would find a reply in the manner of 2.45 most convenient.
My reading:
7.03
